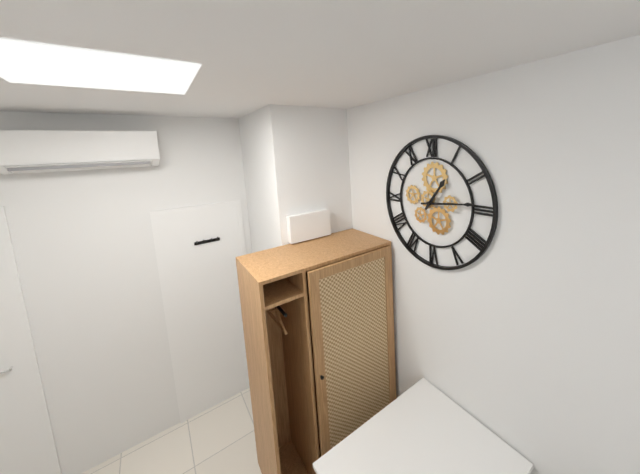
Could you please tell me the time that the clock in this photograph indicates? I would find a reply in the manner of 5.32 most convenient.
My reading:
1.14
